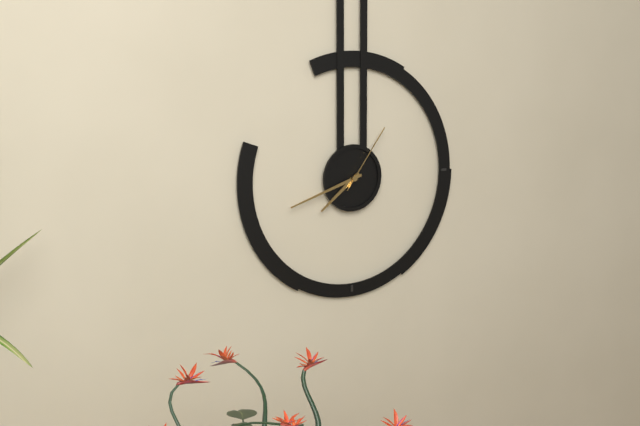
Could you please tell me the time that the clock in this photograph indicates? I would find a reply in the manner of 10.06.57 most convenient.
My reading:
7.42.06
